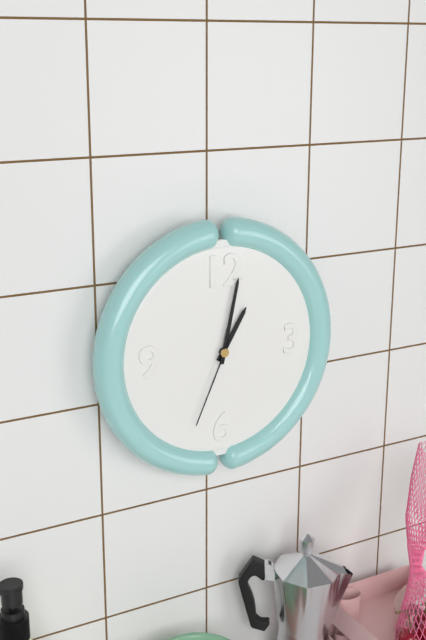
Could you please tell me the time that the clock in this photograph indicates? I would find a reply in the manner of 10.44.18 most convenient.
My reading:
1.02.34
